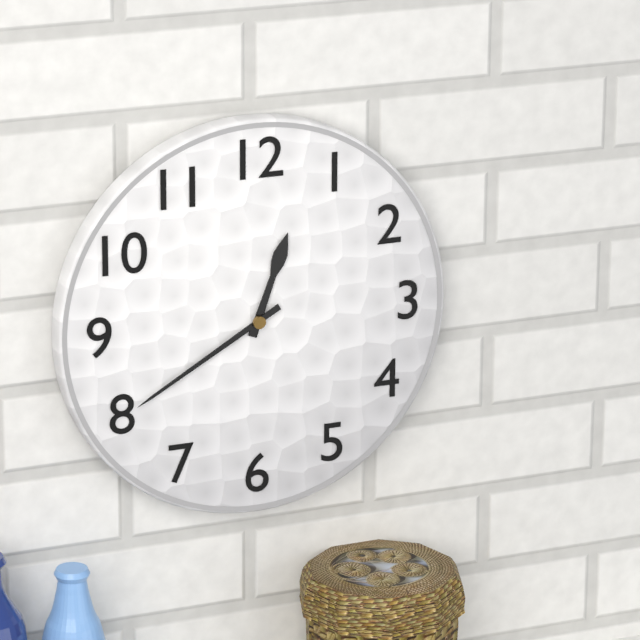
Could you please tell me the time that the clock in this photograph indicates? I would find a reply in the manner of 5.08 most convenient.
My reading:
12.40
